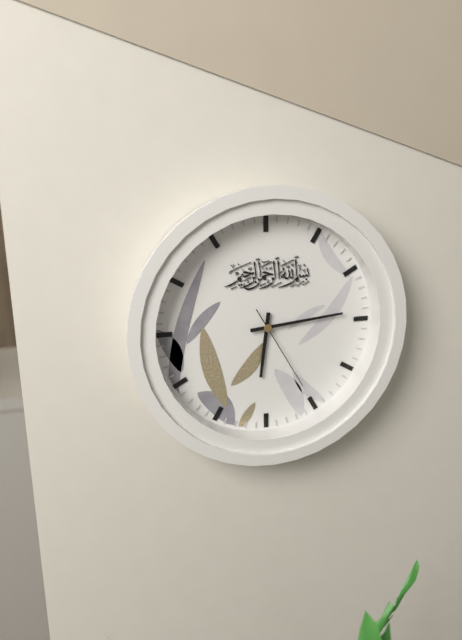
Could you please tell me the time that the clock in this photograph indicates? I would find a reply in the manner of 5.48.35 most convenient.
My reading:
6.14.25
